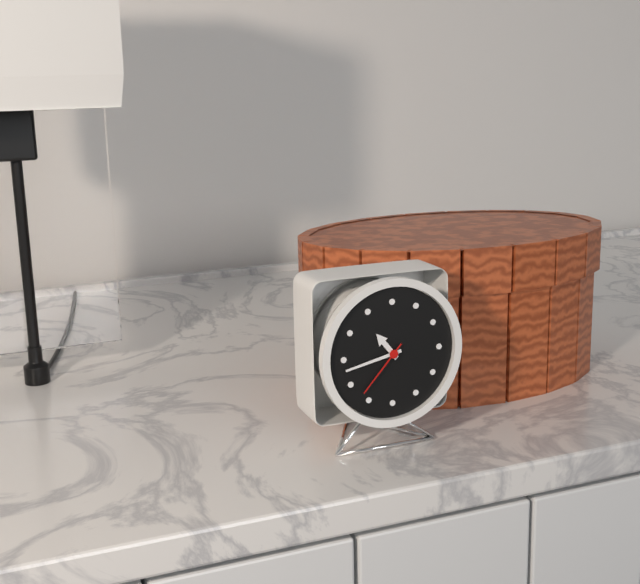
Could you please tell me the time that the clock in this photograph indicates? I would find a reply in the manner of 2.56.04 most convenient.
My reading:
10.43.37
